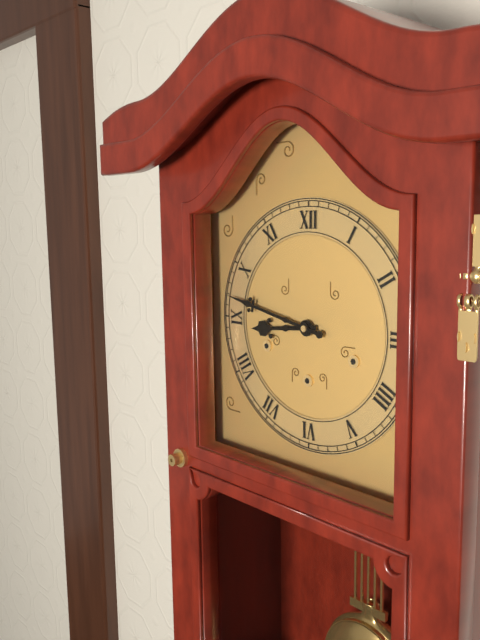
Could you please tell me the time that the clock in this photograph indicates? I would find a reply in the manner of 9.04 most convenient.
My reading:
8.47
